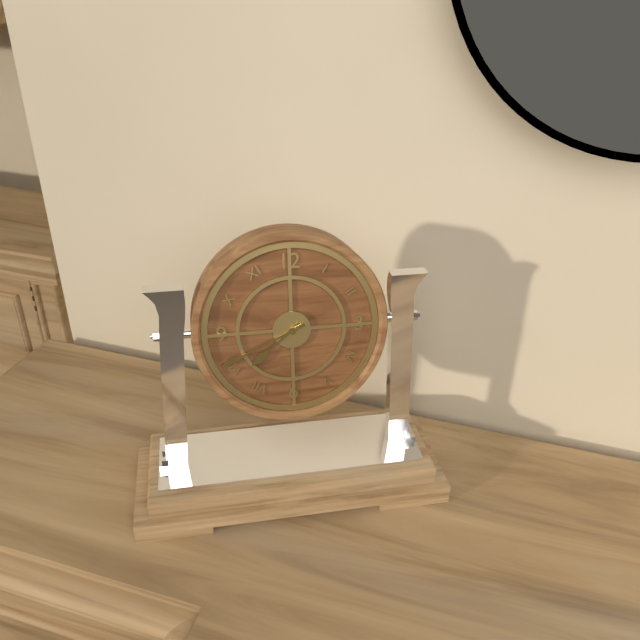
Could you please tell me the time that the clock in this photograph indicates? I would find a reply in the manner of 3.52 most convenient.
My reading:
7.41
